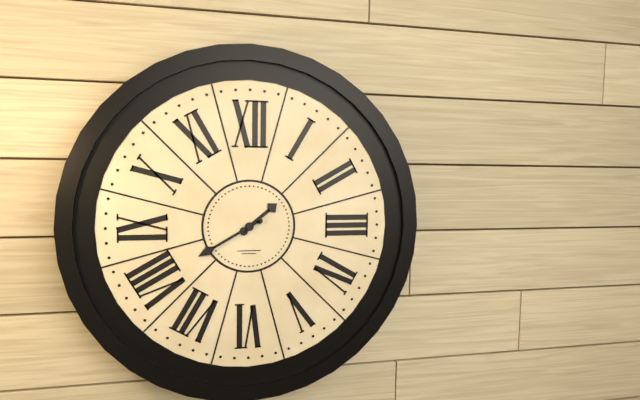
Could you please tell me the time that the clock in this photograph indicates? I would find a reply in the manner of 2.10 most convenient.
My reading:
1.40
